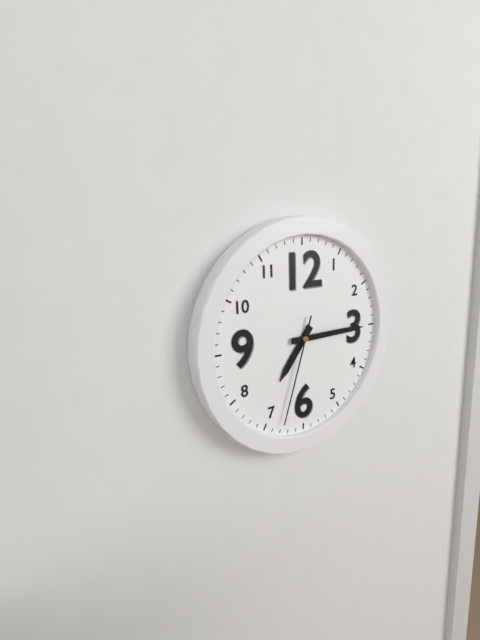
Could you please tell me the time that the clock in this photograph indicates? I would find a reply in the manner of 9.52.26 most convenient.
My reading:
7.15.33
